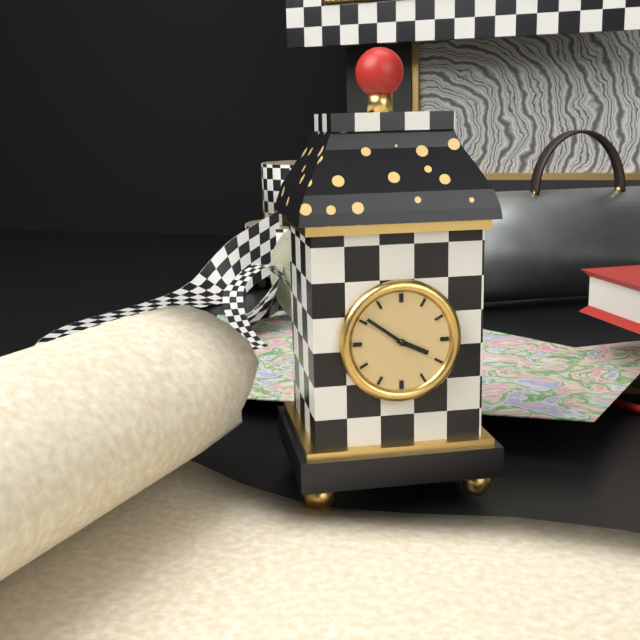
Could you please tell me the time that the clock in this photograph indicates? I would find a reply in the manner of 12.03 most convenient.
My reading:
3.51
